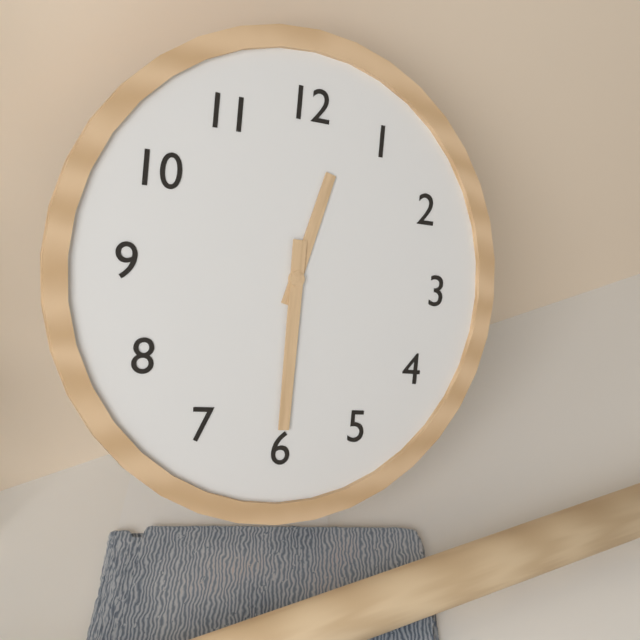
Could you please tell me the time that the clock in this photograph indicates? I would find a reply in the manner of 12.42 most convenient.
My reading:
12.30
